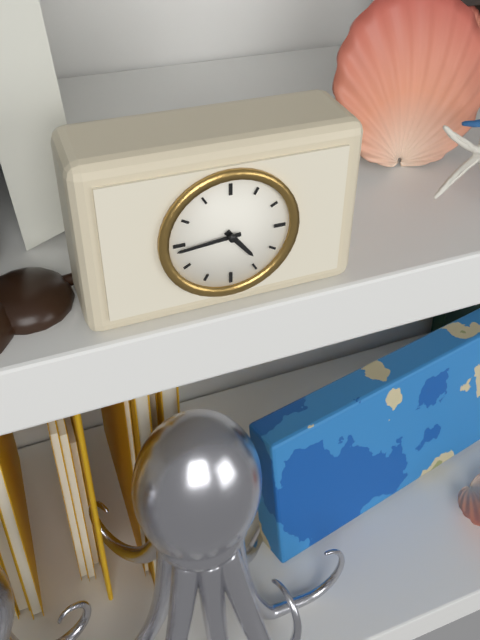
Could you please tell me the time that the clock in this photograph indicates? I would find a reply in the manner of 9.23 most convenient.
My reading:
4.44
